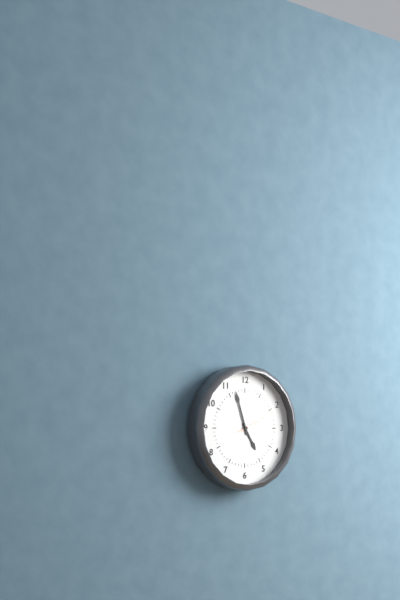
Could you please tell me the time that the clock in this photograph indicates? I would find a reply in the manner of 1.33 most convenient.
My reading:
4.57
